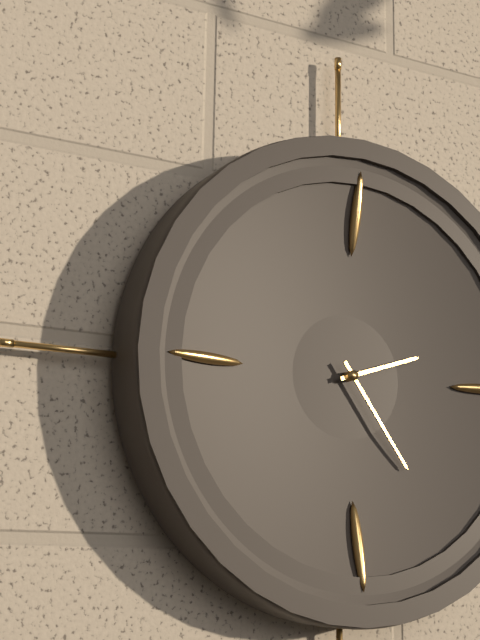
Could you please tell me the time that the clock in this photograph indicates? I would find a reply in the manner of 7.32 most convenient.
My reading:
2.24
